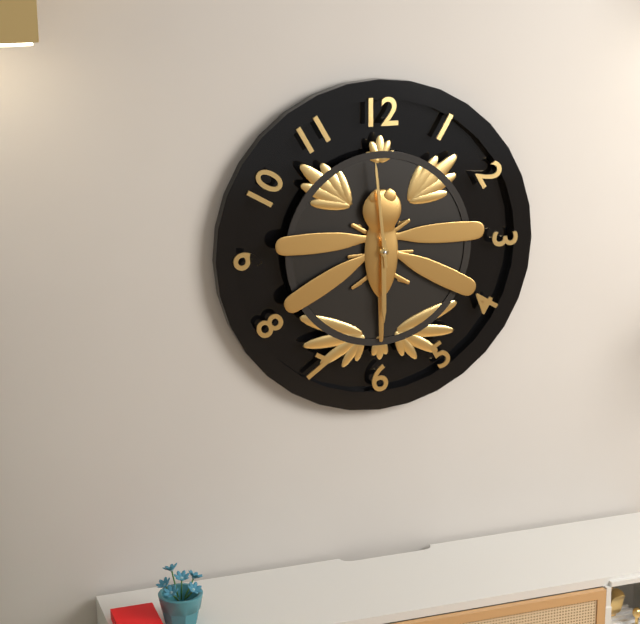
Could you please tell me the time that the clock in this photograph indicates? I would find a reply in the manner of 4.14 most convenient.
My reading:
5.59
